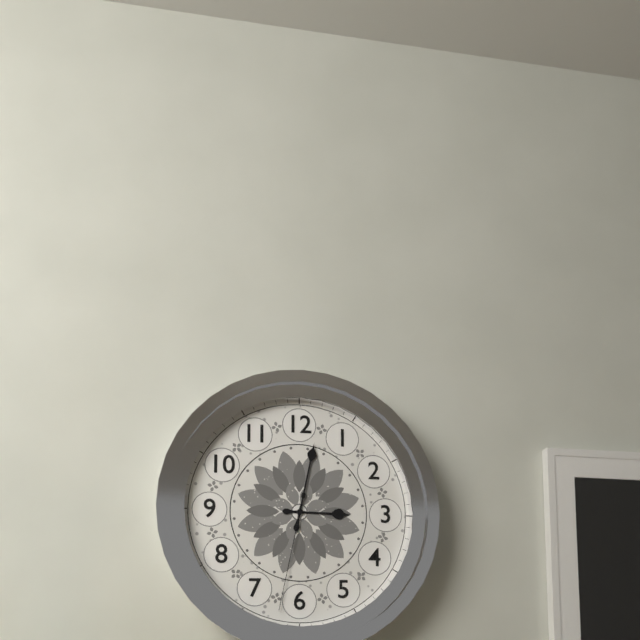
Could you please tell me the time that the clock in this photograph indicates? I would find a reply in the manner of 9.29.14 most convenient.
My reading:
3.02.32
